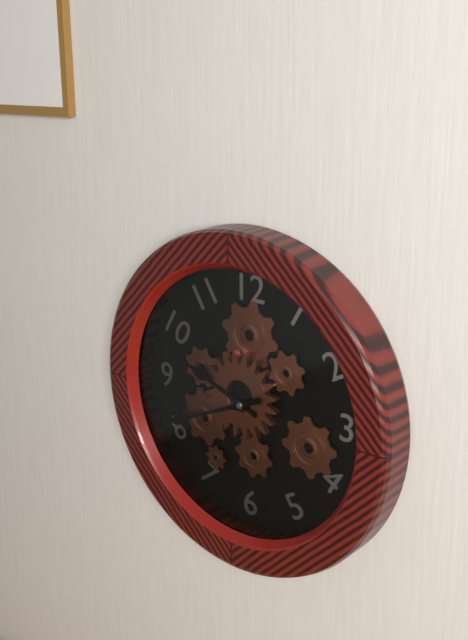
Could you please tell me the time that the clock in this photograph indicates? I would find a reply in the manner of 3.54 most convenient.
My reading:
9.41
